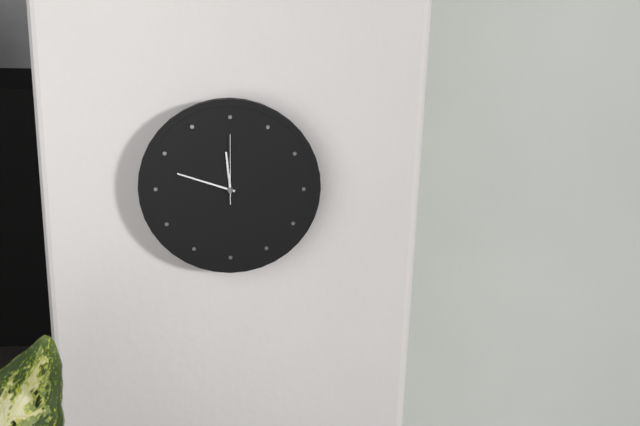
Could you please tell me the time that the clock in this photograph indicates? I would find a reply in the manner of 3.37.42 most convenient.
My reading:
11.48.00
